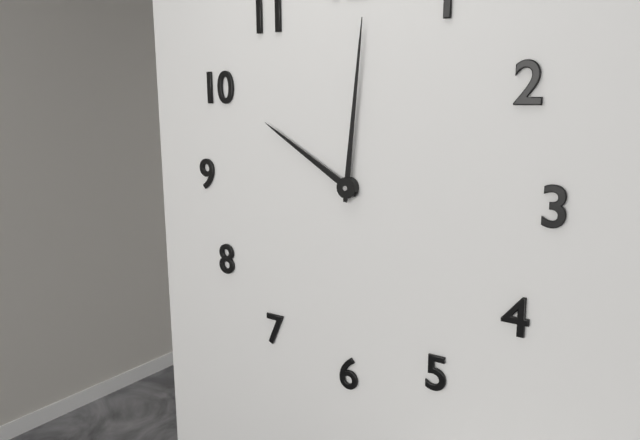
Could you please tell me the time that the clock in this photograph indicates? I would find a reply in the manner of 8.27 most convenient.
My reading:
10.01
